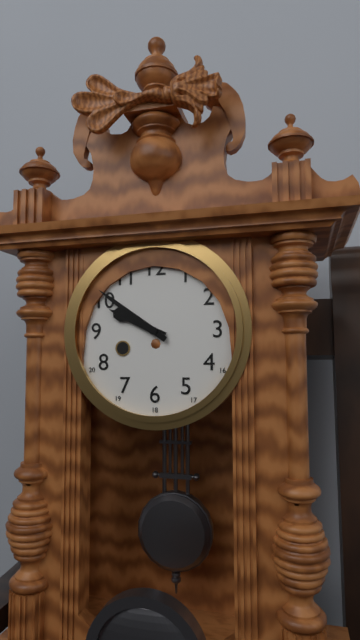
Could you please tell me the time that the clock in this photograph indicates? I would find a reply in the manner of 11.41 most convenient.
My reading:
9.51
